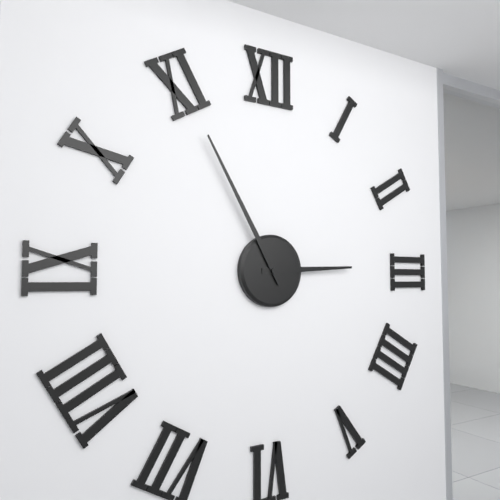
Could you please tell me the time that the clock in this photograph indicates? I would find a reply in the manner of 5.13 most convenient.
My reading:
2.55
